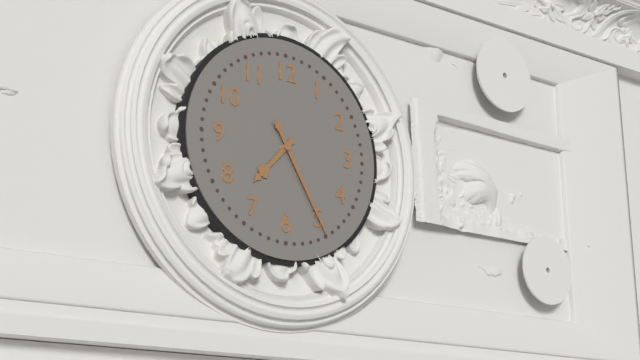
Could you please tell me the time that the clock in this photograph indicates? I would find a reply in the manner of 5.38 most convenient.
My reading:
7.25
